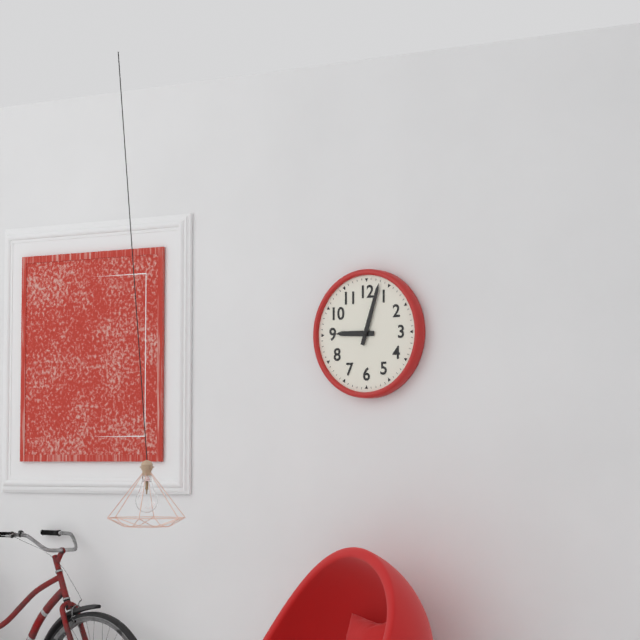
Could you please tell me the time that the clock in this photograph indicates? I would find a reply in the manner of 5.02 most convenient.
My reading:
9.03
